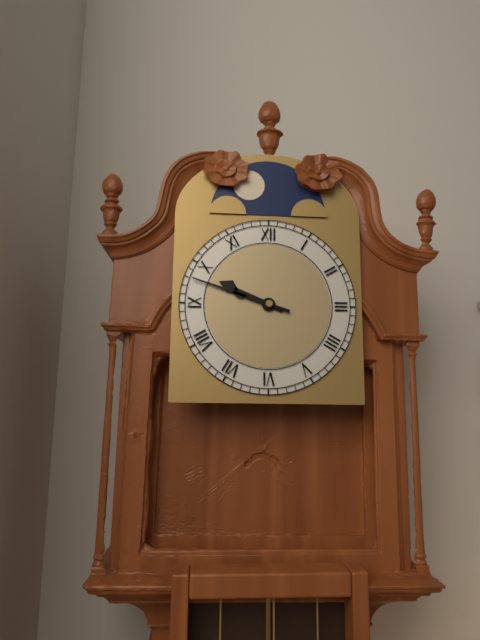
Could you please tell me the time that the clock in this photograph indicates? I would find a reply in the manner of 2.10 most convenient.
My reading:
9.48
